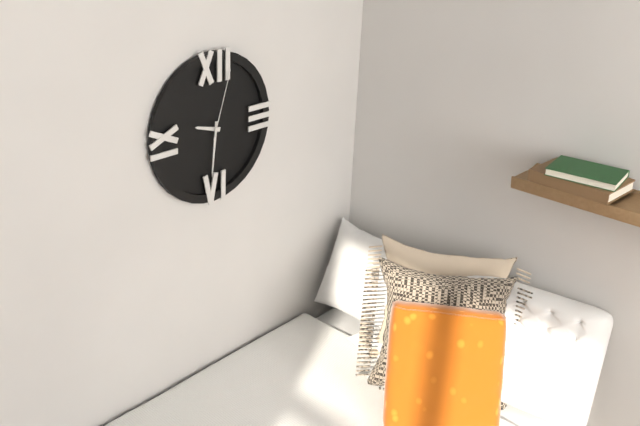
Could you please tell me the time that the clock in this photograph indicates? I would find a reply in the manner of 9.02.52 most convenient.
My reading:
9.31.03
